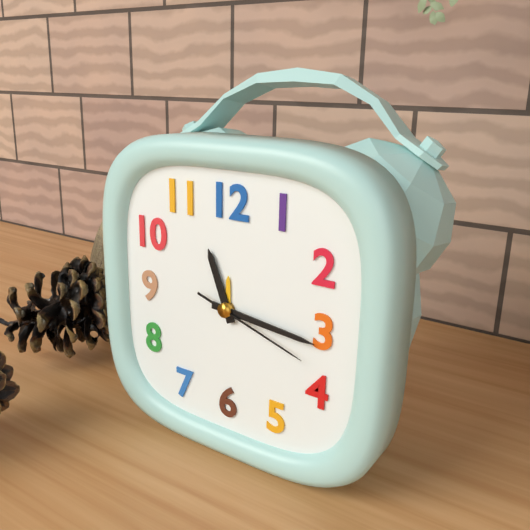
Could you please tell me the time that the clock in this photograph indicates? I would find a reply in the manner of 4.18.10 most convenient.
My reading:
11.16.18
